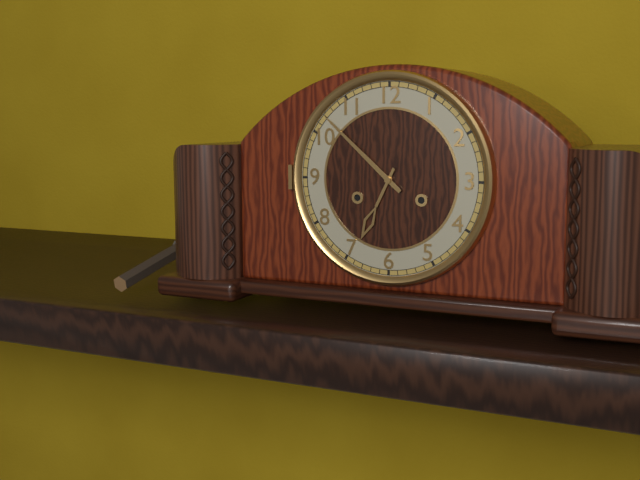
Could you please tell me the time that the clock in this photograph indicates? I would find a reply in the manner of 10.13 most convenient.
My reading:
6.52
